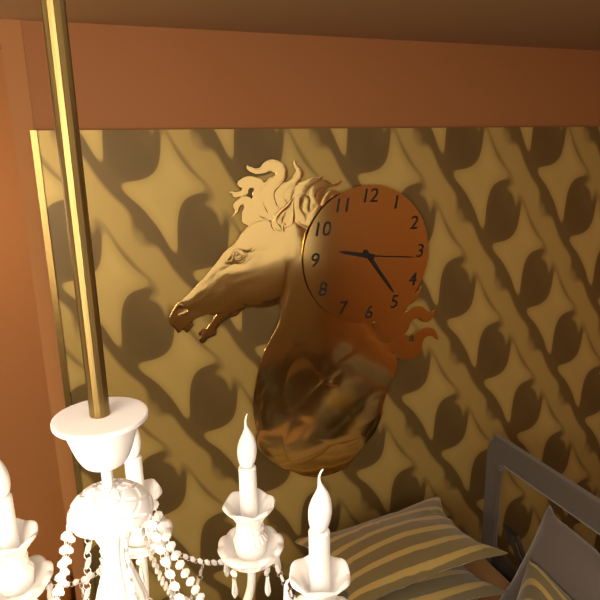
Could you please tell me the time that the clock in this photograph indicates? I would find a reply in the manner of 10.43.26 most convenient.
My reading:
9.24.16
